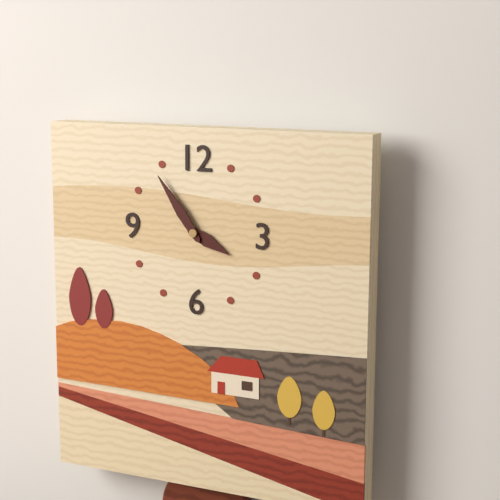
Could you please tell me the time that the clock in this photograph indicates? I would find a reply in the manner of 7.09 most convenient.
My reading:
3.54
